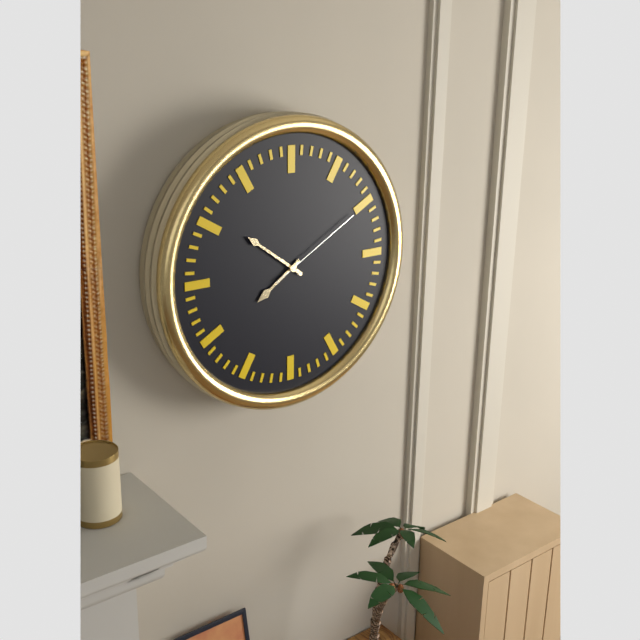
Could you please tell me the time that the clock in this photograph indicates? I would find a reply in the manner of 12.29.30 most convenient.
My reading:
7.51.10
